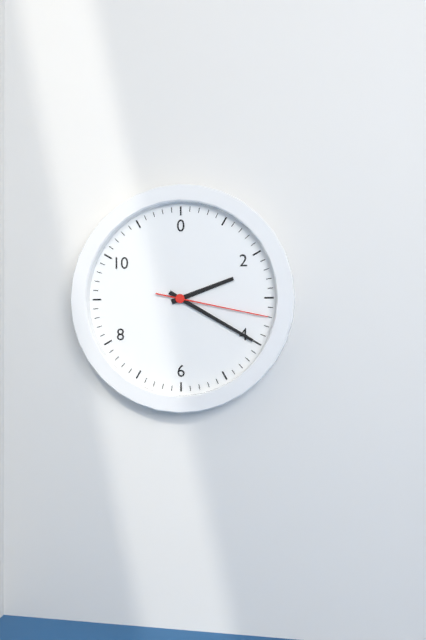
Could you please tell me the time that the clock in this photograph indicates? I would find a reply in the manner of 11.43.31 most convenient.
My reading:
2.20.17
